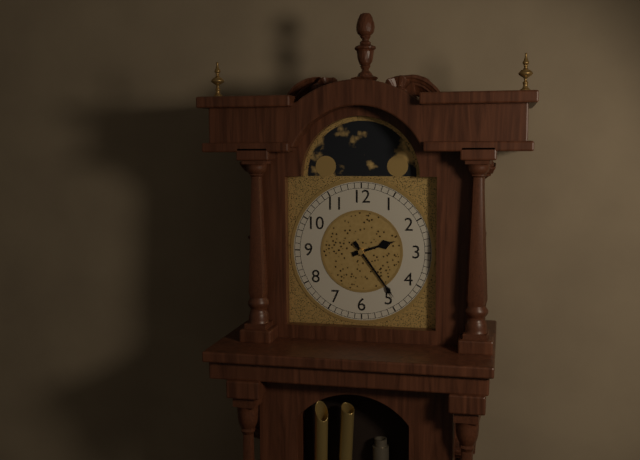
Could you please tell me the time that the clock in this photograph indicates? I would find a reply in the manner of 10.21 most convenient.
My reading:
2.24
